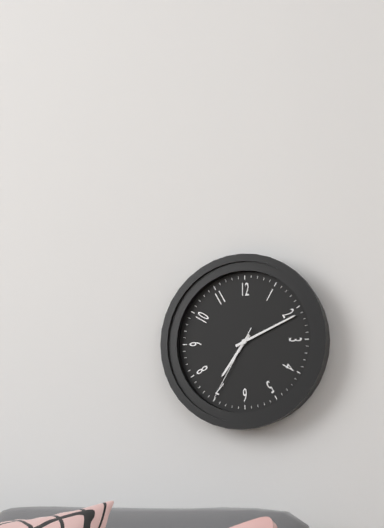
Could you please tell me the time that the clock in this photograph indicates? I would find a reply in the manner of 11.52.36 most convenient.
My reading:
7.11.35
